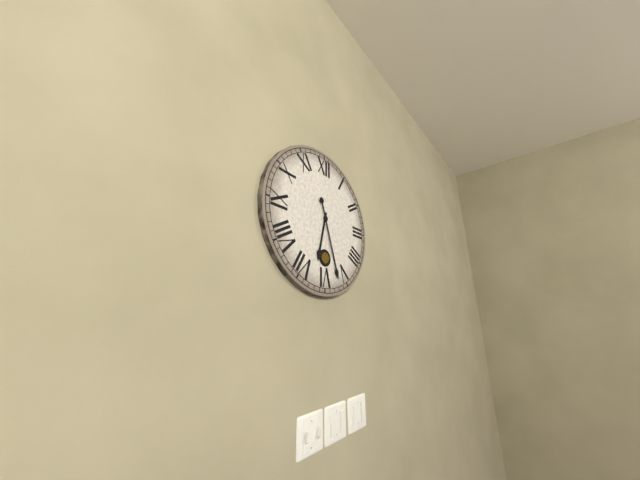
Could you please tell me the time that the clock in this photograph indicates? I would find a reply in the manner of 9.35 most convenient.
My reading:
6.27
